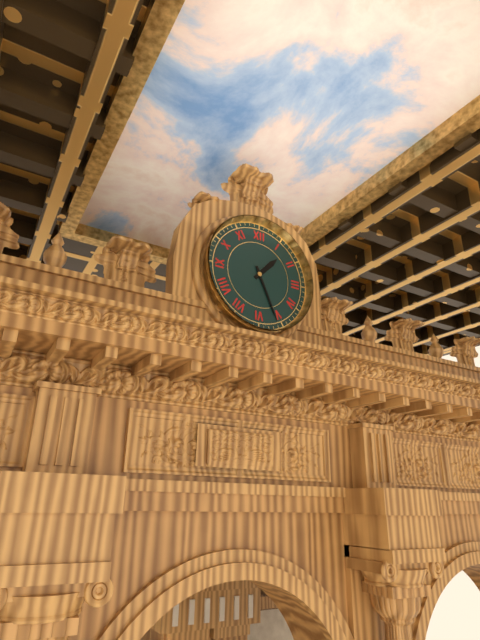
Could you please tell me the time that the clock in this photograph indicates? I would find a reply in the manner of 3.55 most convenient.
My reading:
1.26
